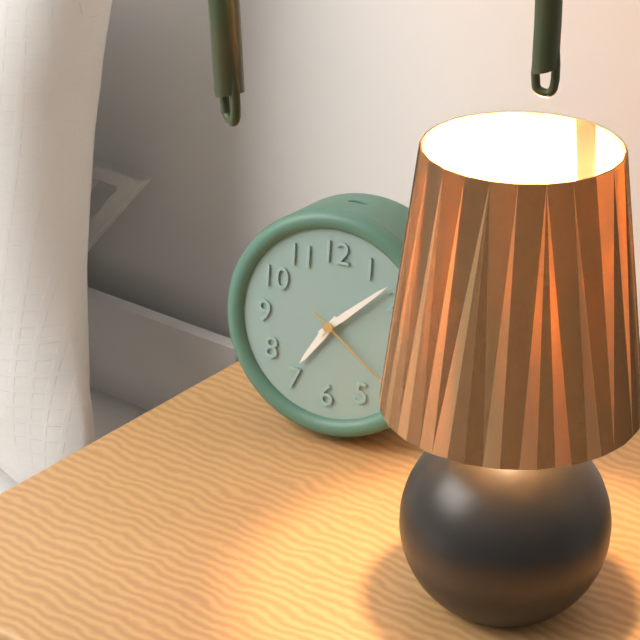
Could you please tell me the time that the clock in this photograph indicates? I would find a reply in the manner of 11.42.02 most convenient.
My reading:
7.08.21
